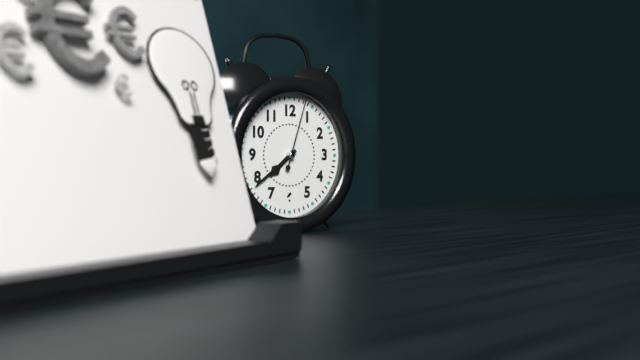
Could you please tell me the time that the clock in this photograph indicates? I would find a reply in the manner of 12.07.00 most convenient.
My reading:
7.39.03
